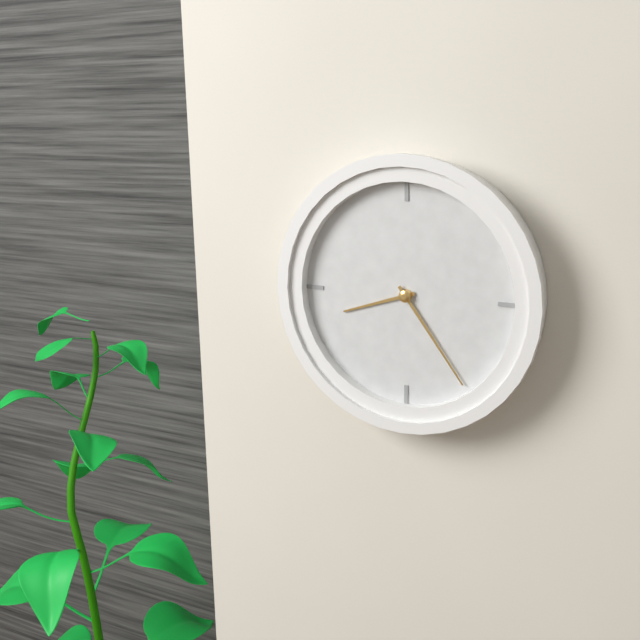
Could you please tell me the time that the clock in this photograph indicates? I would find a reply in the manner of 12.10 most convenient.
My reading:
8.24
